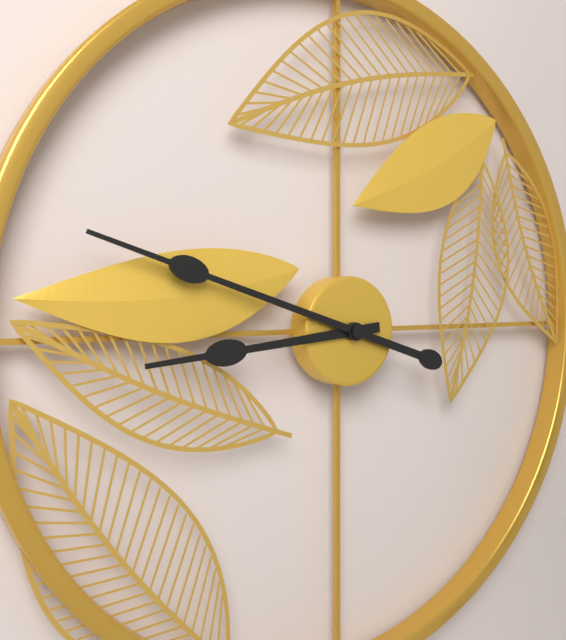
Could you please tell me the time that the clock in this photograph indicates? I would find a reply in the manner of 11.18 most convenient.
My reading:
8.48
